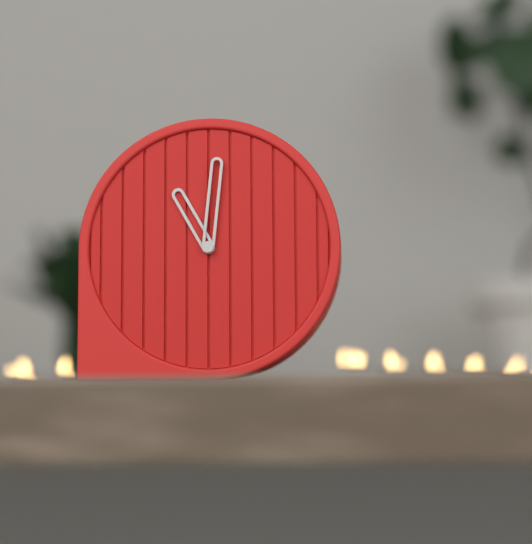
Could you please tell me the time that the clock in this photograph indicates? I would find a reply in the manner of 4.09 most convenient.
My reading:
11.01
